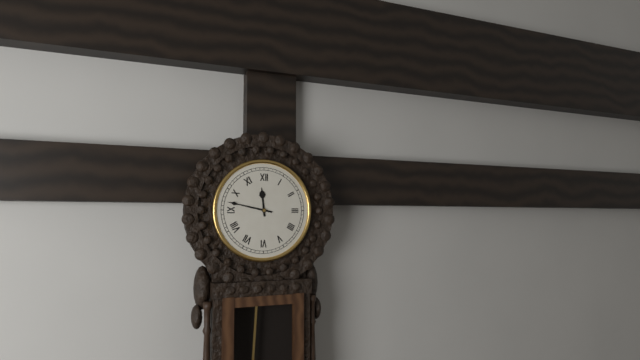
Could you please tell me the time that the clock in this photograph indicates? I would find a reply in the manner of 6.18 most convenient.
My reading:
11.47
